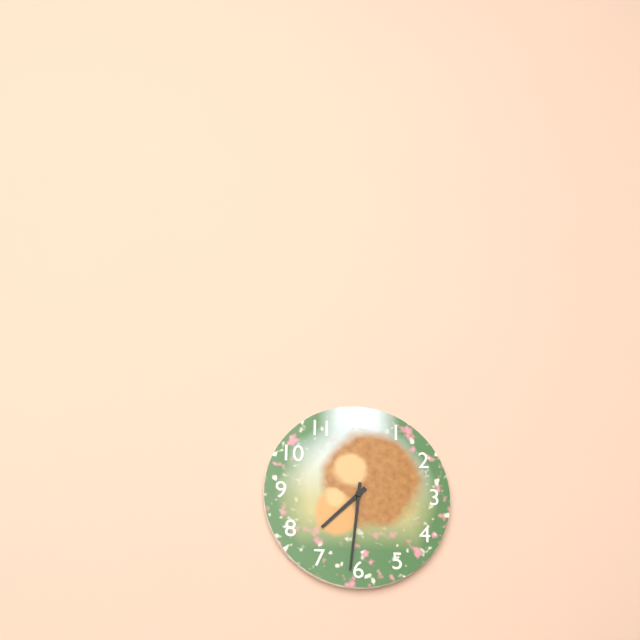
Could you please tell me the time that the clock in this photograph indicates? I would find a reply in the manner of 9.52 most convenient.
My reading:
7.31
